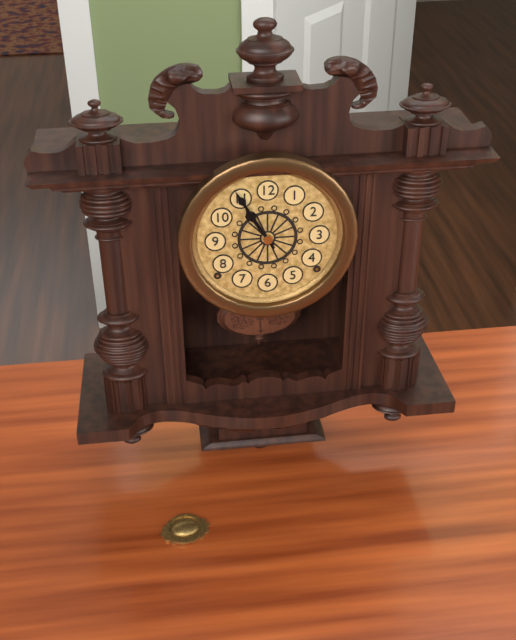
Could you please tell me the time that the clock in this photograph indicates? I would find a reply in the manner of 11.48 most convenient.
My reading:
10.55
